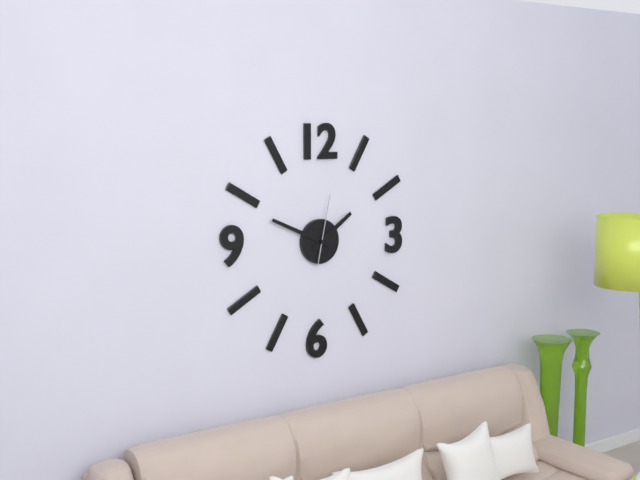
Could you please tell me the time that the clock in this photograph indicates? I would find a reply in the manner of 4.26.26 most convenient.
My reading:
1.49.02
